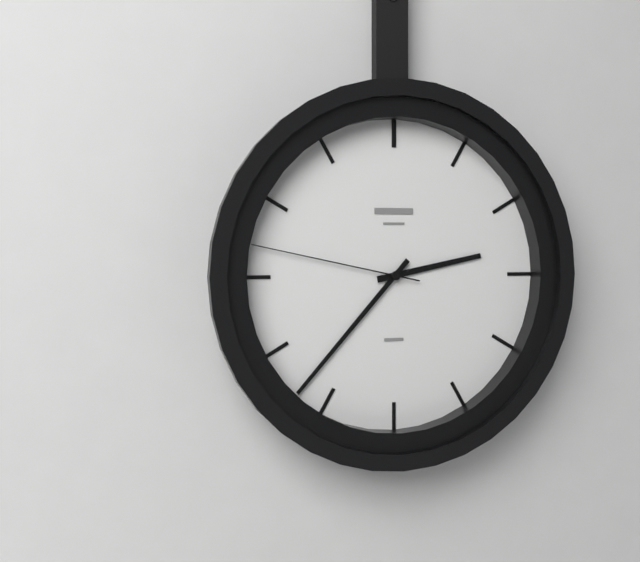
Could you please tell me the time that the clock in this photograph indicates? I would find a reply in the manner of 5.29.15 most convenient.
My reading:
2.37.47
